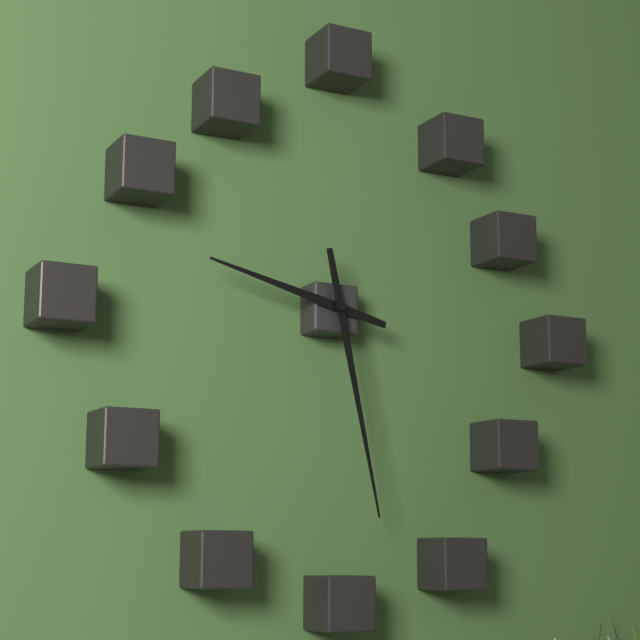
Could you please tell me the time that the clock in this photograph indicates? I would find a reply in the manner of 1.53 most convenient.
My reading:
9.28
